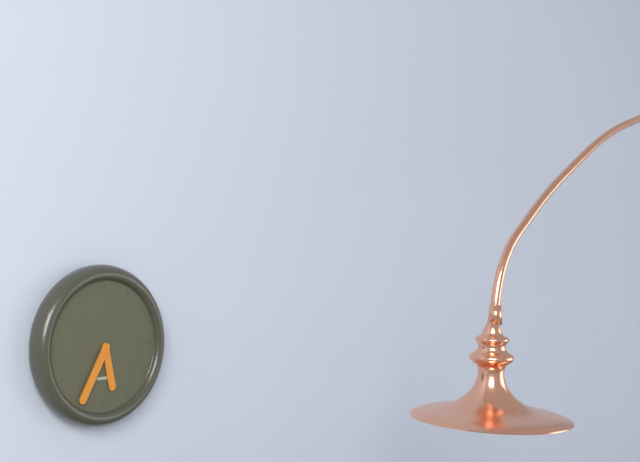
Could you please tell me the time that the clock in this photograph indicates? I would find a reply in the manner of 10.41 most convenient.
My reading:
5.35
